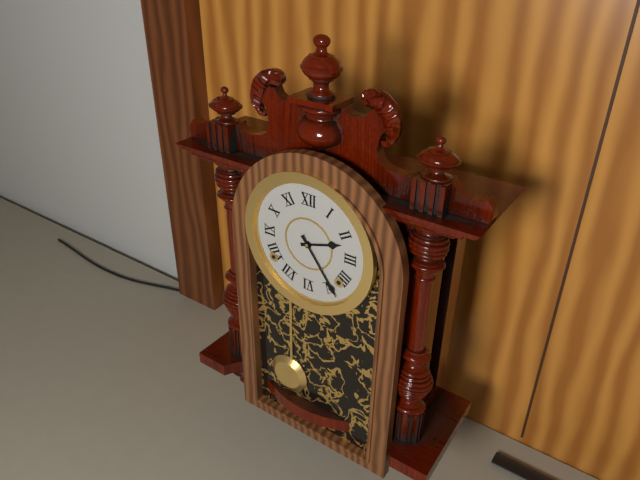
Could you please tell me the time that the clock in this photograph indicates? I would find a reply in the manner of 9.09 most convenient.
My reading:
2.24
